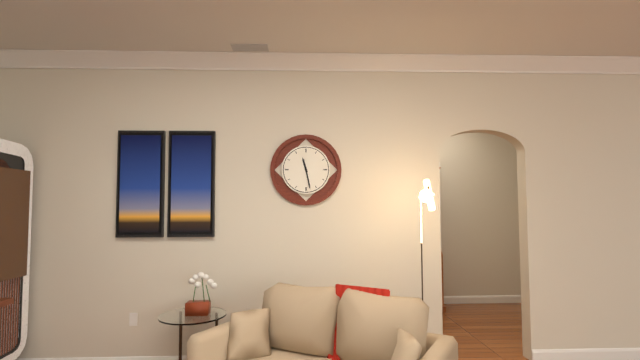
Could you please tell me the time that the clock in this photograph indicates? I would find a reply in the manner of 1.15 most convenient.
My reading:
11.28
